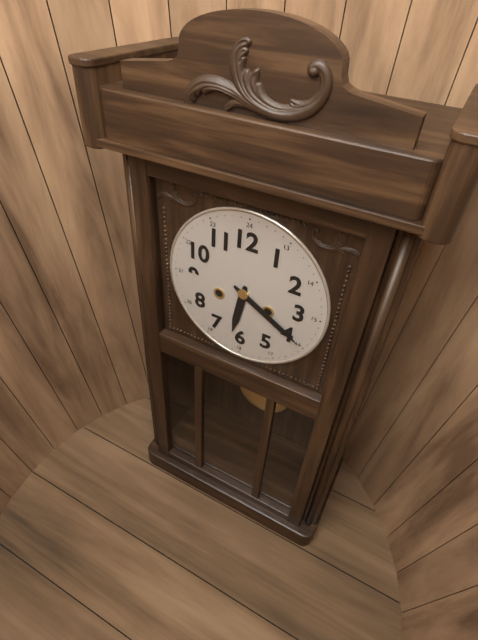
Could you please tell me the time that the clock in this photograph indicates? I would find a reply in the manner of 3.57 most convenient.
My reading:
6.20
